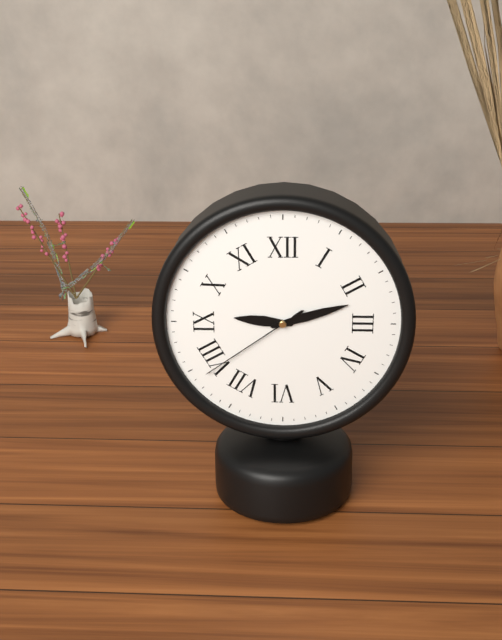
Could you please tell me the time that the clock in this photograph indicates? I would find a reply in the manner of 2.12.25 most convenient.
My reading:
9.12.39
